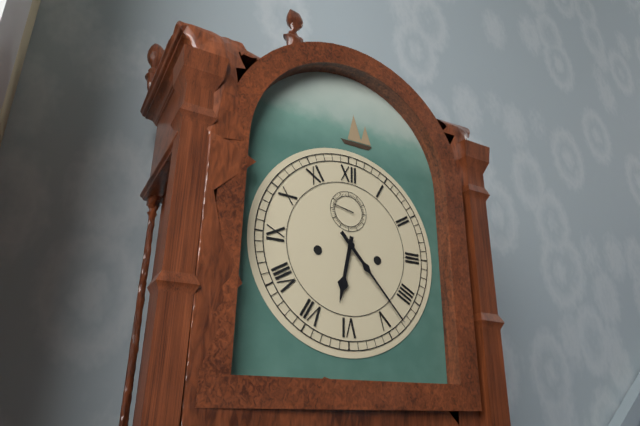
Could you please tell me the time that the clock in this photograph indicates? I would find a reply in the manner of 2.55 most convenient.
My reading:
6.23
